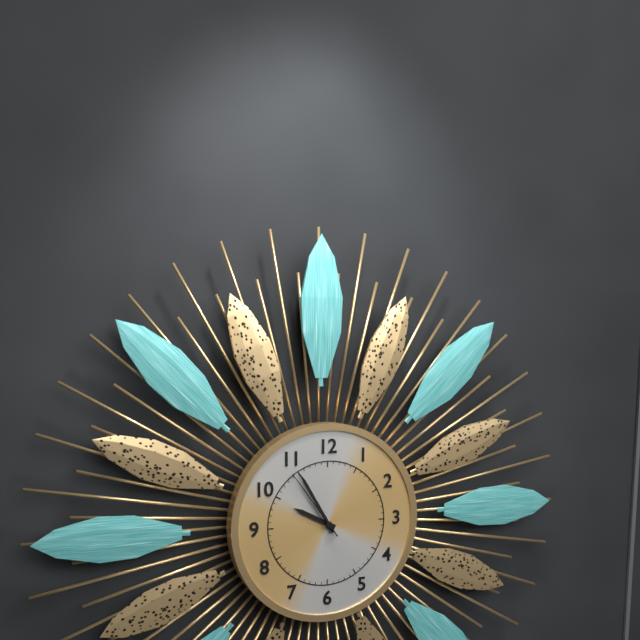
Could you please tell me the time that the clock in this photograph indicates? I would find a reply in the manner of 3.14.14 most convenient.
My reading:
9.55.54
